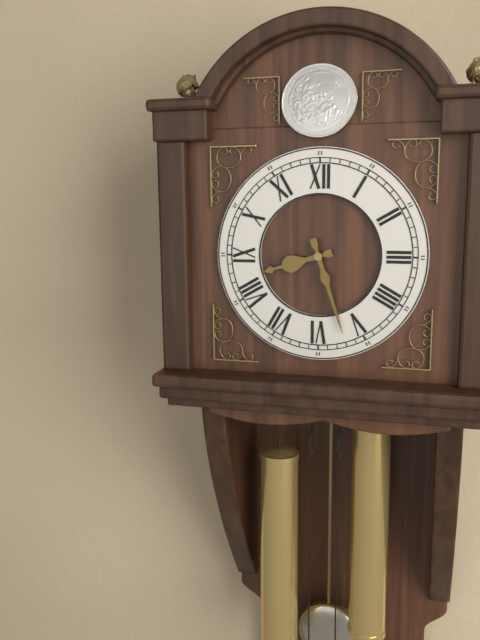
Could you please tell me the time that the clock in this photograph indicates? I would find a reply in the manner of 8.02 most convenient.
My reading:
8.27
